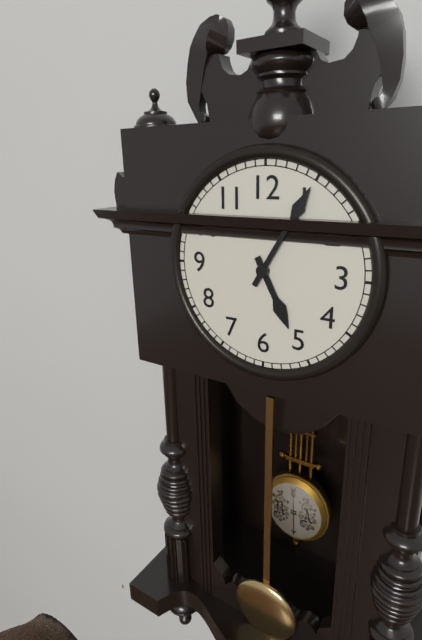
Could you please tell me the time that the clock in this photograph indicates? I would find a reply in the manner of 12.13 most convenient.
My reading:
5.05
